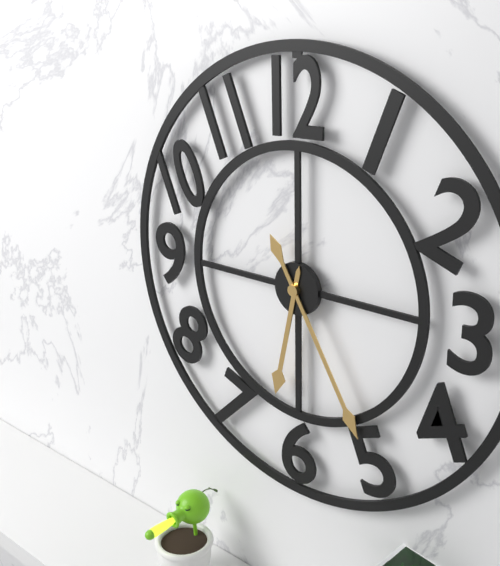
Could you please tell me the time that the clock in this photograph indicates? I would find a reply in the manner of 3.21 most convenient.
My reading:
6.25
